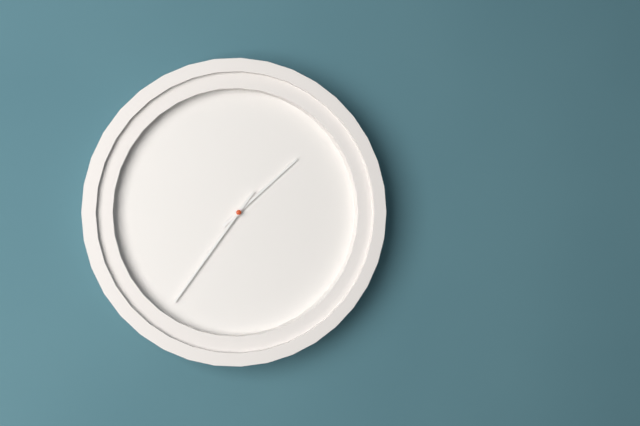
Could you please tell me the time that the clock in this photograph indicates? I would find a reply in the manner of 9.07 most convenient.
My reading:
1.36
